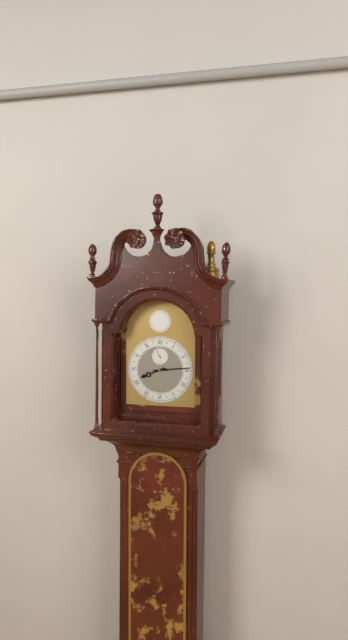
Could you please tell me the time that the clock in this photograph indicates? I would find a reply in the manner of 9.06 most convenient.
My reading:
8.14
